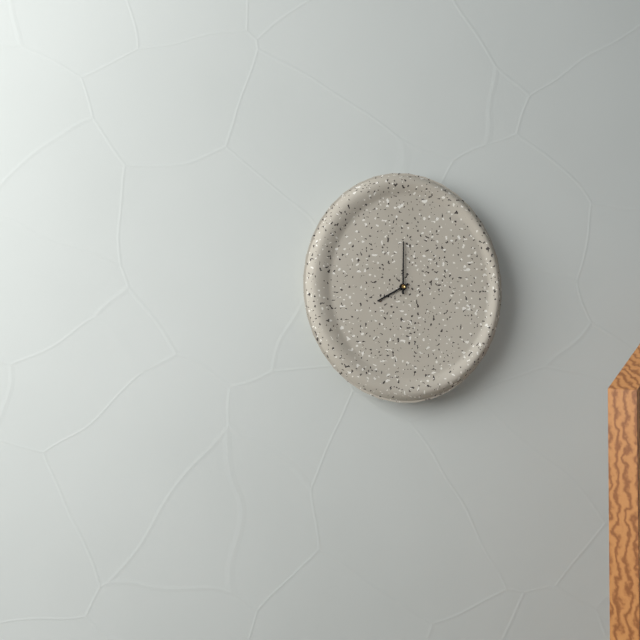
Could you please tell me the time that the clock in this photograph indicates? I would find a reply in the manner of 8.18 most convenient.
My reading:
8.00
